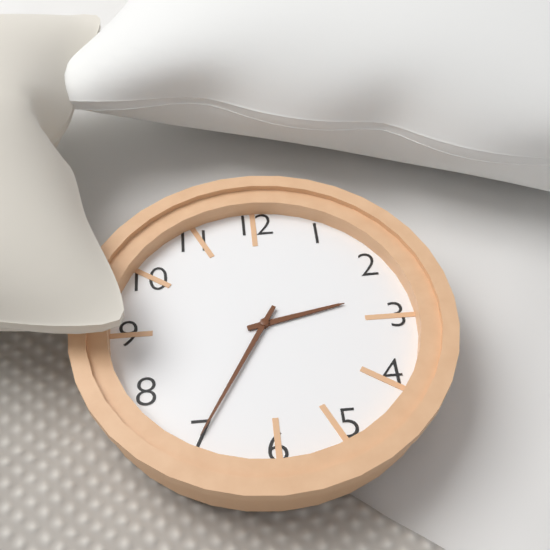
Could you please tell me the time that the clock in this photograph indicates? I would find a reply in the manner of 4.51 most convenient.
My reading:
2.35
